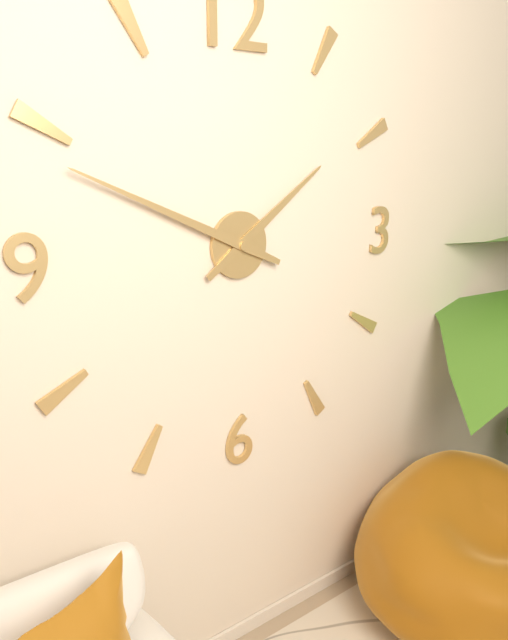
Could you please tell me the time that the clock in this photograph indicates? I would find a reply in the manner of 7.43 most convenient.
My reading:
1.49
